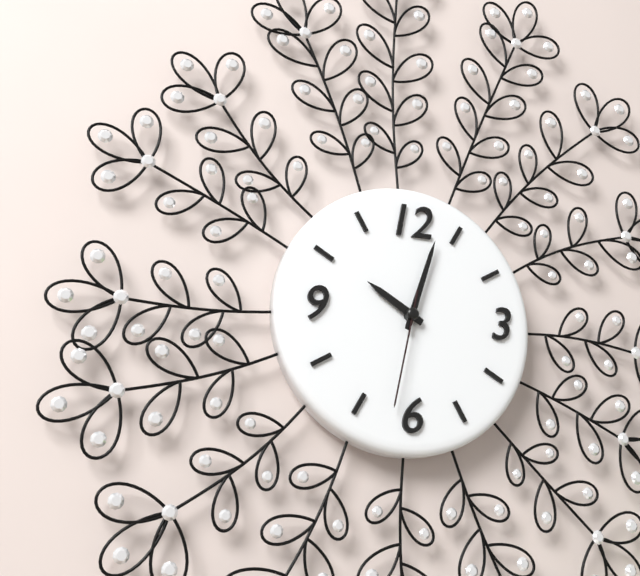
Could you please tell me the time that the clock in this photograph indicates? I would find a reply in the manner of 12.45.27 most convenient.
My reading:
10.03.32
